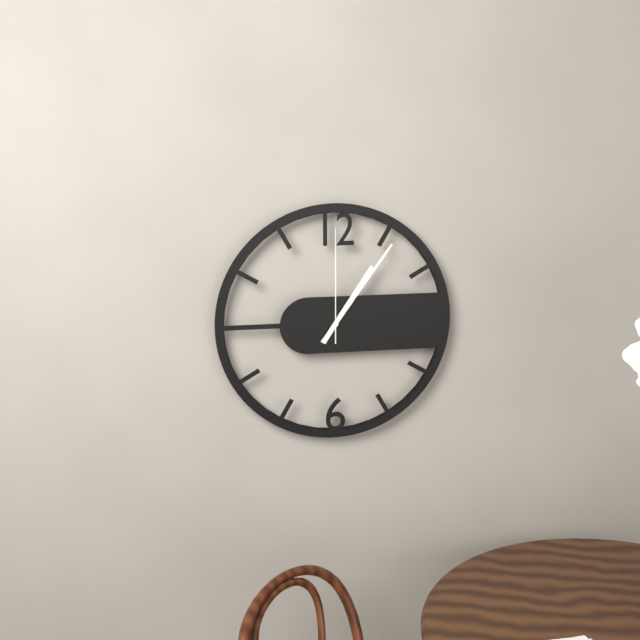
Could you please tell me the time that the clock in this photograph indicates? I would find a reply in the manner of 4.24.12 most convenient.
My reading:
1.06.00
